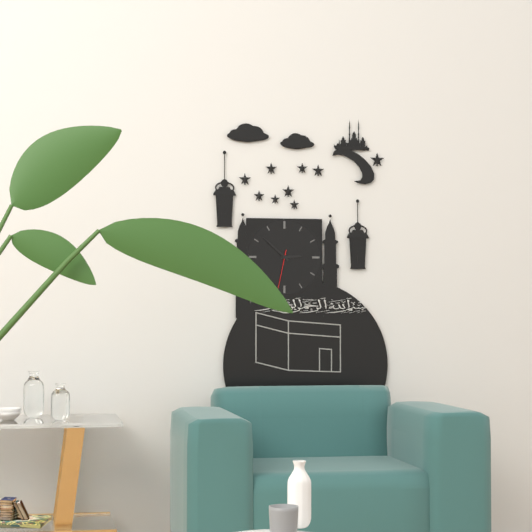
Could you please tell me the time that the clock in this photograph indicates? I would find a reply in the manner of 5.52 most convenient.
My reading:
2.52
